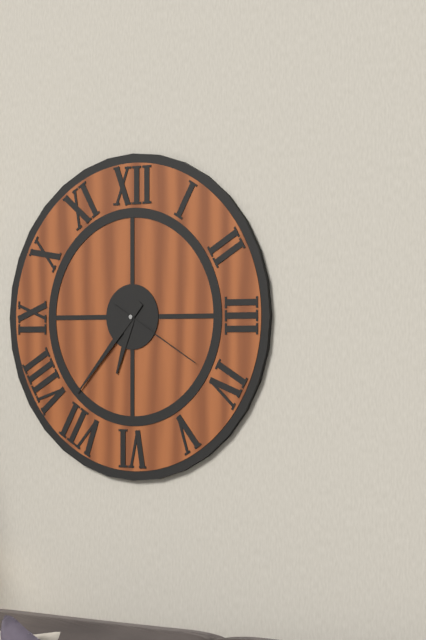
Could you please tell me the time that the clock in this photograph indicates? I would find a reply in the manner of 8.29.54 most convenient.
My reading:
6.37.20
